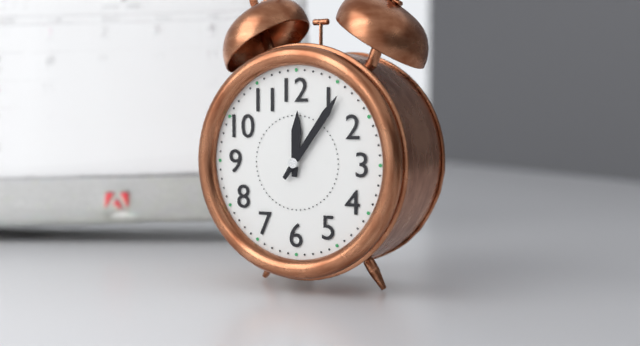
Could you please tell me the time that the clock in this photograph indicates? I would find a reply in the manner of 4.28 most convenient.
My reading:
12.06
